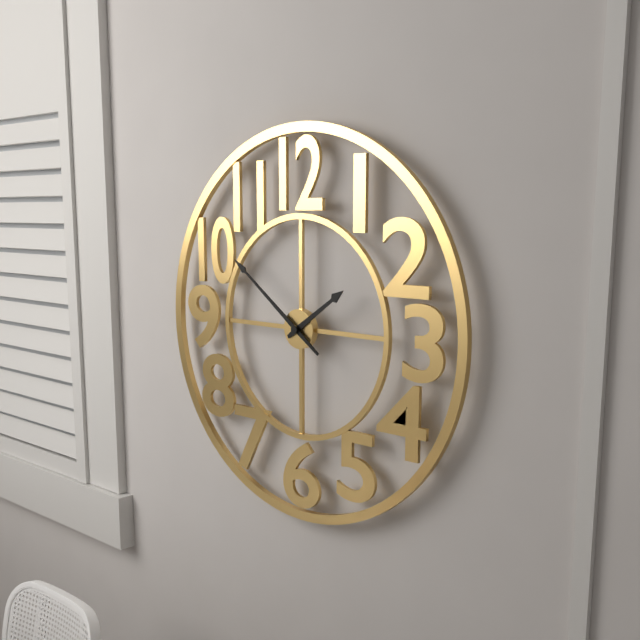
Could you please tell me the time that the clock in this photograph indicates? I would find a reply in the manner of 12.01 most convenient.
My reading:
1.51
